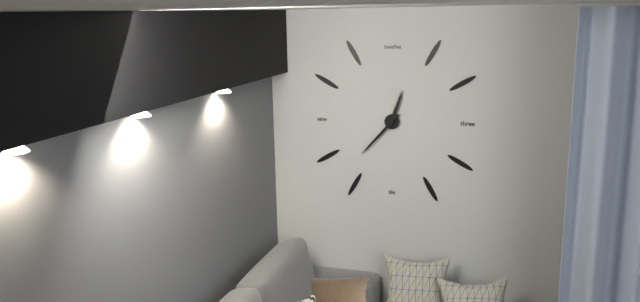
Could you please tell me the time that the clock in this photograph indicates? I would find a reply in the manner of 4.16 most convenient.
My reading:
12.37
